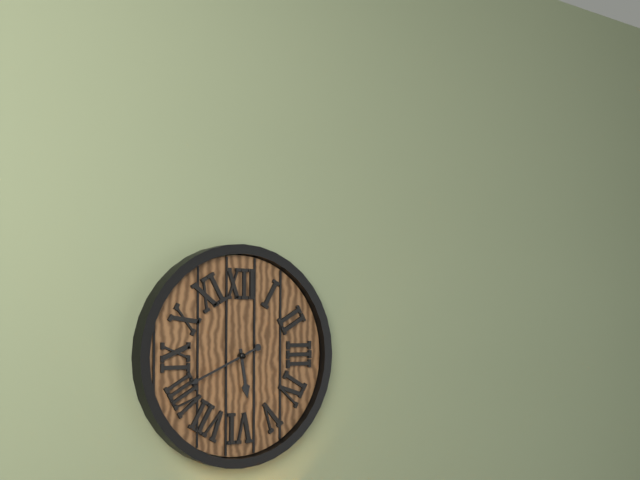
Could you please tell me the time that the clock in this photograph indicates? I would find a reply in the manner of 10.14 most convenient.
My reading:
5.41
